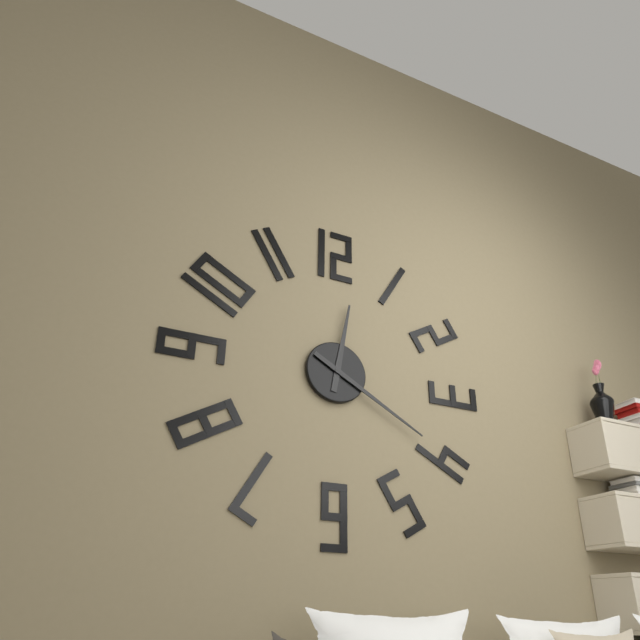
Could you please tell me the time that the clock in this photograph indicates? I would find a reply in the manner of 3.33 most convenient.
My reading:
12.20
